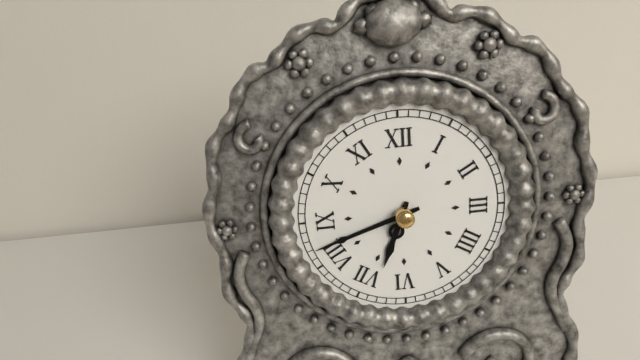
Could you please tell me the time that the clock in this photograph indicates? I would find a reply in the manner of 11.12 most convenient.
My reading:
6.42
